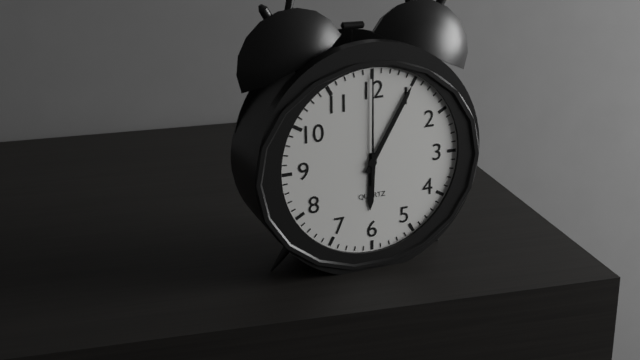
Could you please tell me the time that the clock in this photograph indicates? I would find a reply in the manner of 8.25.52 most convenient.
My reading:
6.05.00
